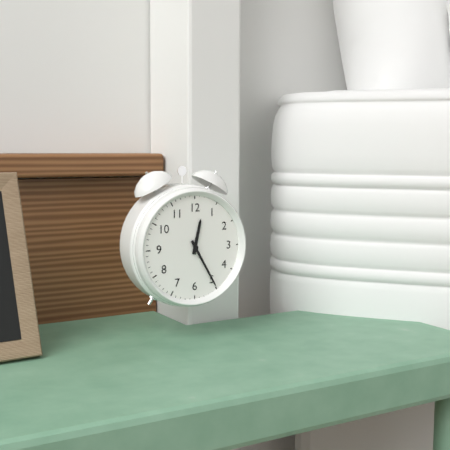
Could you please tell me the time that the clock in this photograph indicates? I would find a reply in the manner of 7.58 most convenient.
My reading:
12.25
